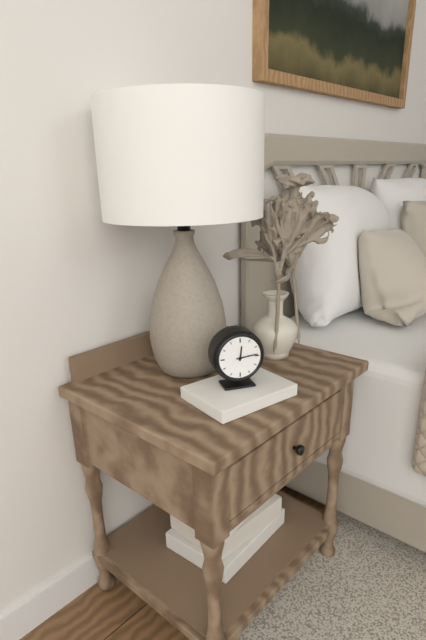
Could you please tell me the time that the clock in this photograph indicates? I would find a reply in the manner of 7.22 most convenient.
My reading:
12.14
